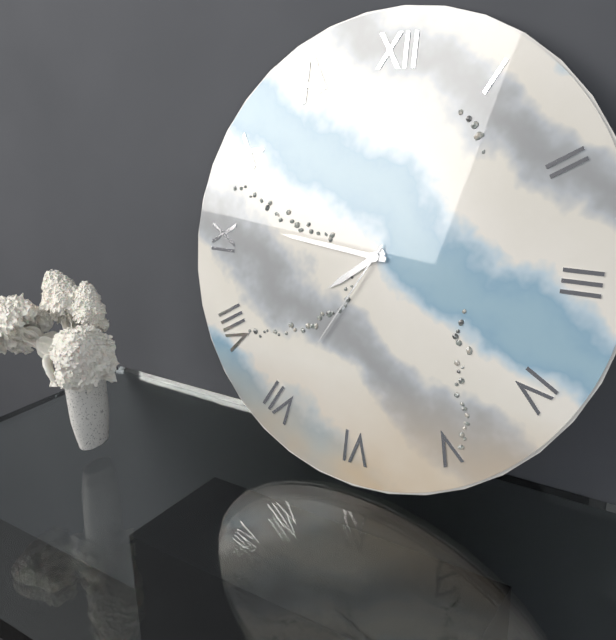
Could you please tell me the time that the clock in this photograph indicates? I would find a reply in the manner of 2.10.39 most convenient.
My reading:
7.46.35
